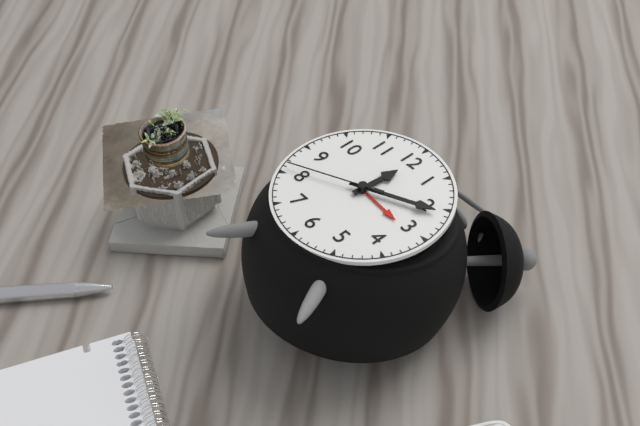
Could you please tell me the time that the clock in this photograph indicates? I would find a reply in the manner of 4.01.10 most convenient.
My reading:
12.11.41
